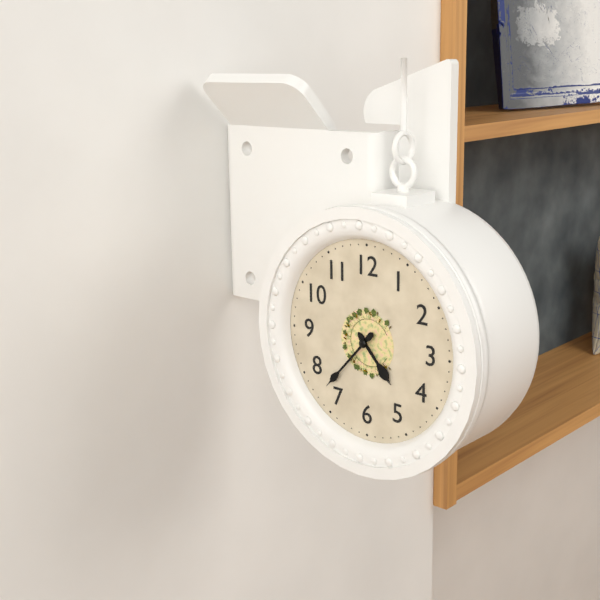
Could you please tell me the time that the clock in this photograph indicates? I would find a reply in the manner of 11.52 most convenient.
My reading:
4.37
